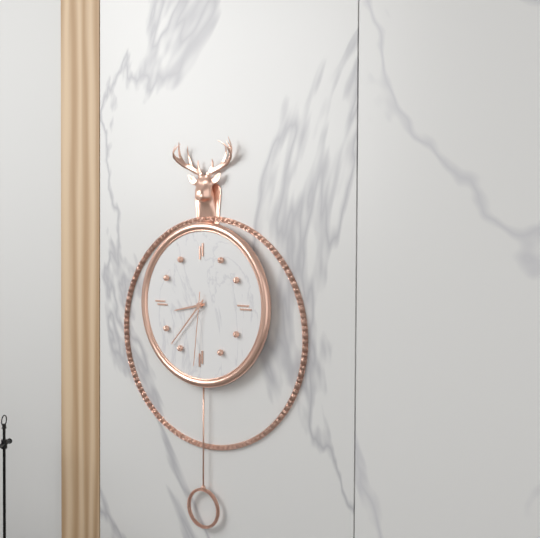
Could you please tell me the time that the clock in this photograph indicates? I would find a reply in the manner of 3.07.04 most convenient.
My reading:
8.37.31
